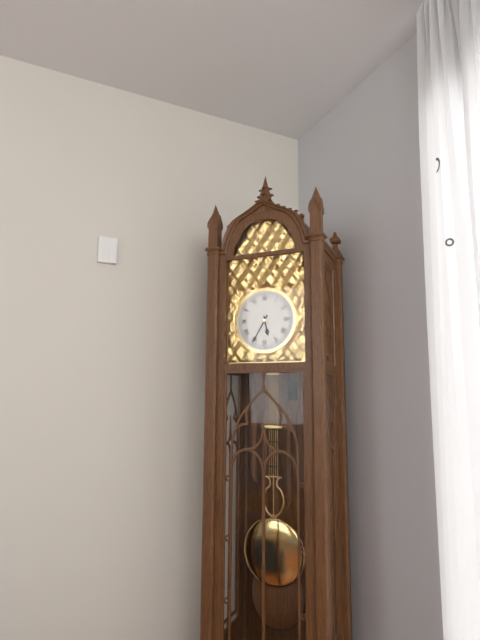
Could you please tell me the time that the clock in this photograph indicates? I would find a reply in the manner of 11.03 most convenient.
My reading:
5.35
